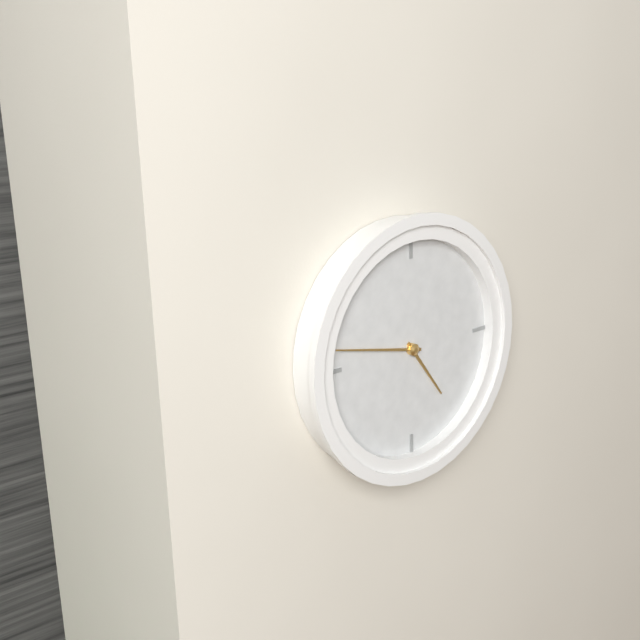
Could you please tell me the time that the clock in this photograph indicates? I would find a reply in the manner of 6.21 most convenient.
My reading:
4.47
